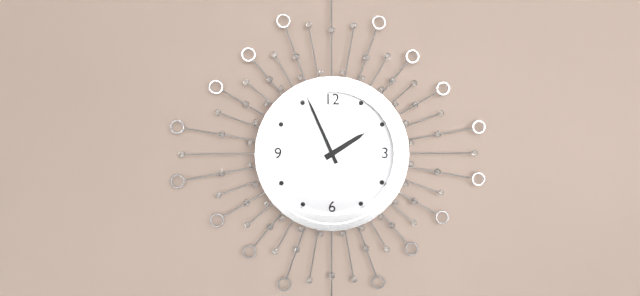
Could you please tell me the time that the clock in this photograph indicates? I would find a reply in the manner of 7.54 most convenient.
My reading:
1.56
